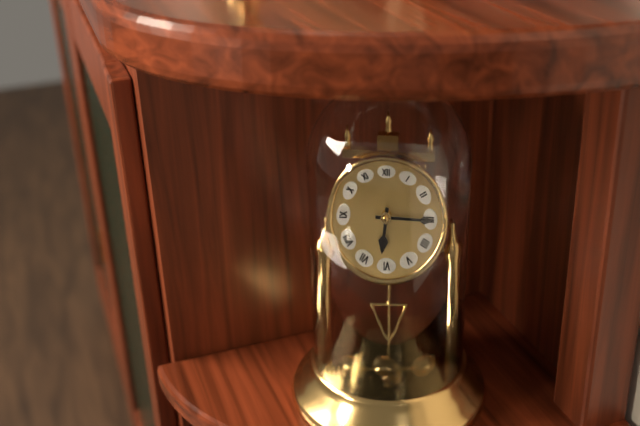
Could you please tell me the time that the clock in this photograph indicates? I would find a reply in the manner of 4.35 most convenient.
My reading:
6.15
